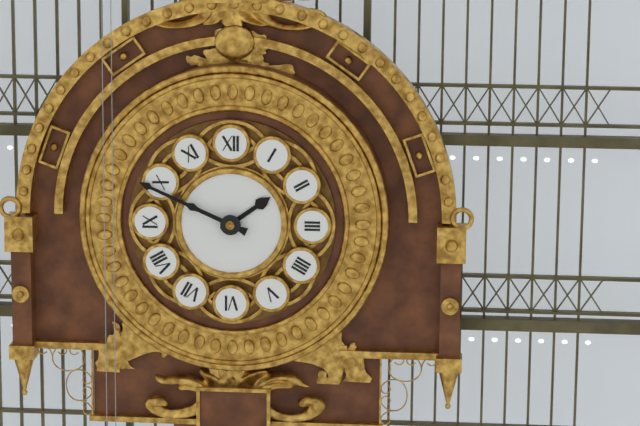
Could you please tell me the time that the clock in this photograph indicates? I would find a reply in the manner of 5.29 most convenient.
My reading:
1.49
